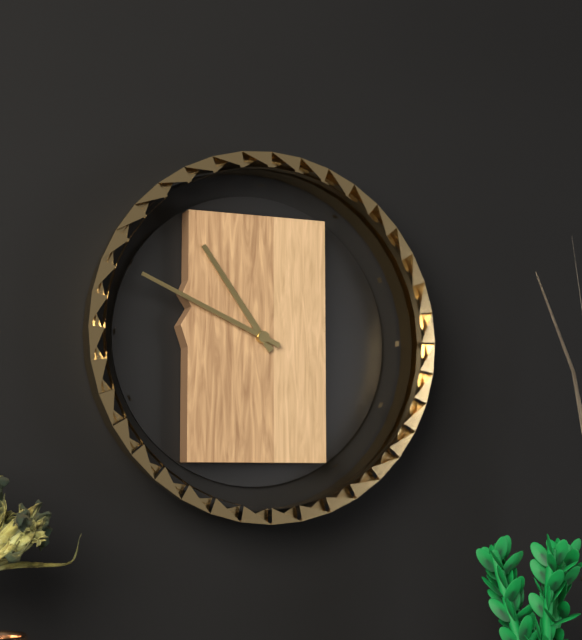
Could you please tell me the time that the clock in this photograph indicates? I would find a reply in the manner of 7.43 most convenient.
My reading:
10.49
